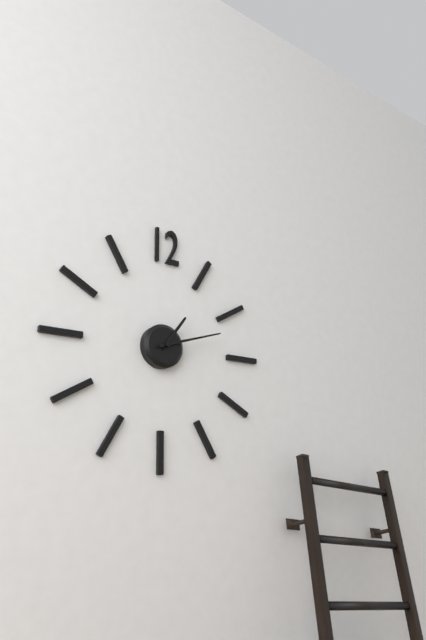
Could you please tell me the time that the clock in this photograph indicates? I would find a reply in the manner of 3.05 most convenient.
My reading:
1.12
